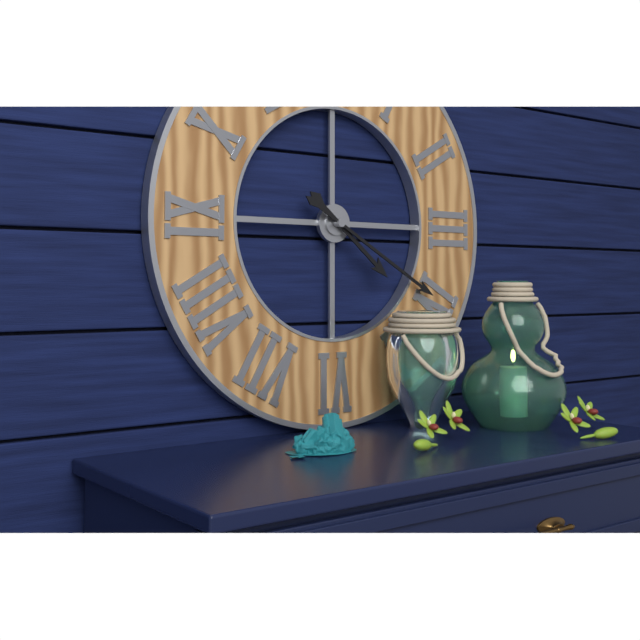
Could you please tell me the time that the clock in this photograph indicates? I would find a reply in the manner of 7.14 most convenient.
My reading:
4.20
